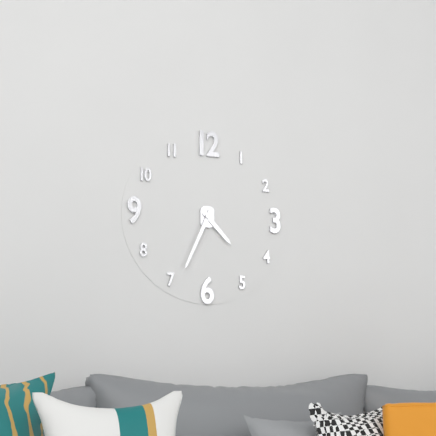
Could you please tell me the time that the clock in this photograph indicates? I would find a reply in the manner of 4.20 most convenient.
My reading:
4.34
